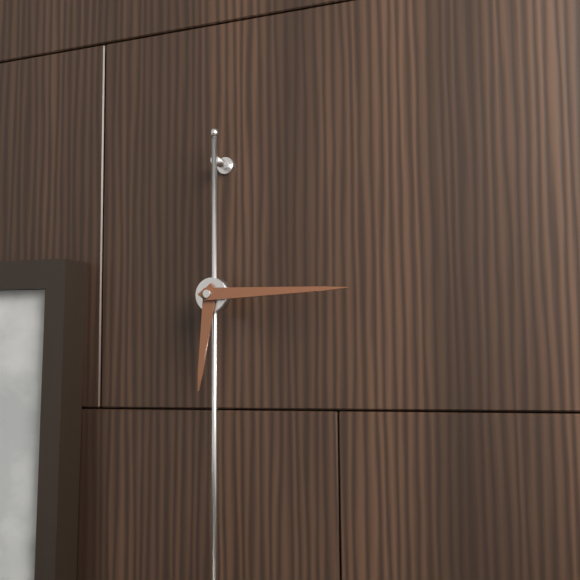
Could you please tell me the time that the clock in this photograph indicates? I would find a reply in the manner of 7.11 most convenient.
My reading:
6.15
